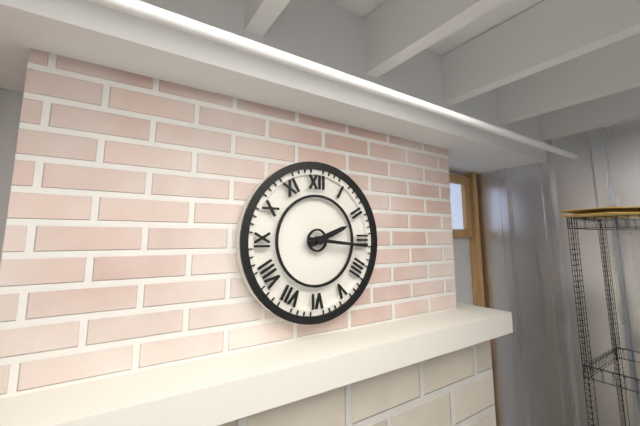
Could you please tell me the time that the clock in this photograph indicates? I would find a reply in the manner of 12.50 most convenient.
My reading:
2.16
